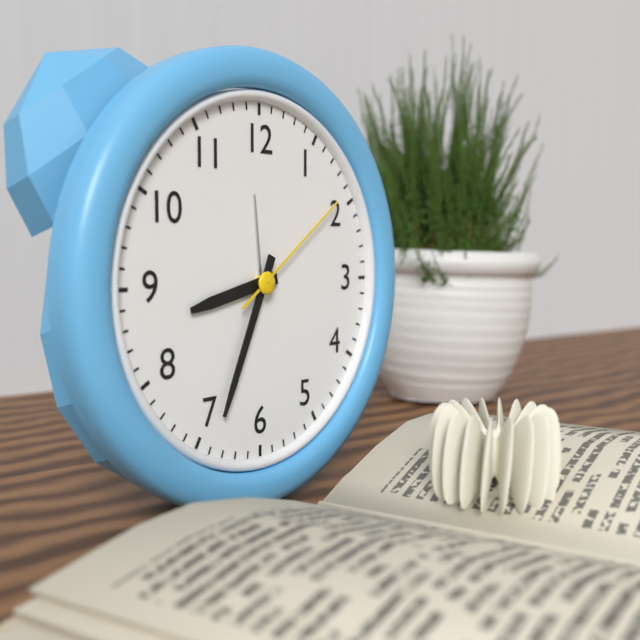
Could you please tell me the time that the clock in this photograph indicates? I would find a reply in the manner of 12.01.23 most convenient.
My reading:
8.34.09
